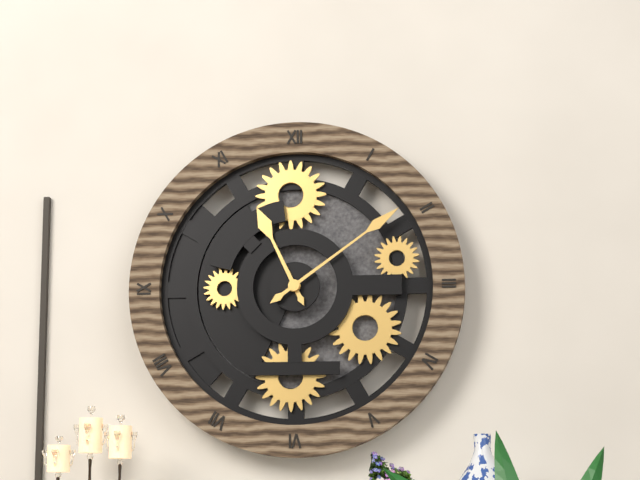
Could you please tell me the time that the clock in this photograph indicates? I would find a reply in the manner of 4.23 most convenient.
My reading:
11.09
